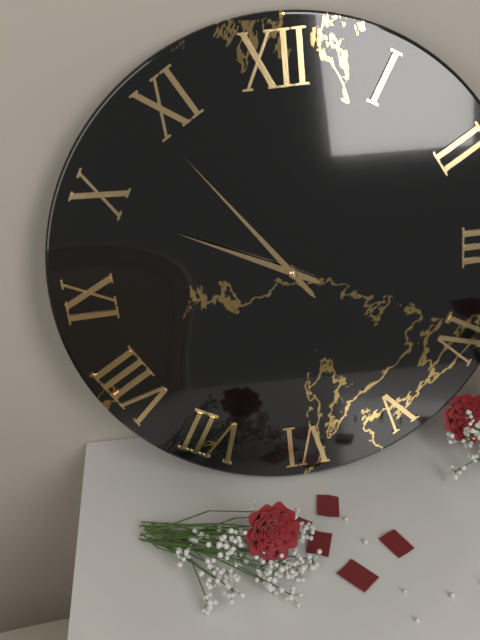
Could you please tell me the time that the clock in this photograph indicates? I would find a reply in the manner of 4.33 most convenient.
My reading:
9.54
